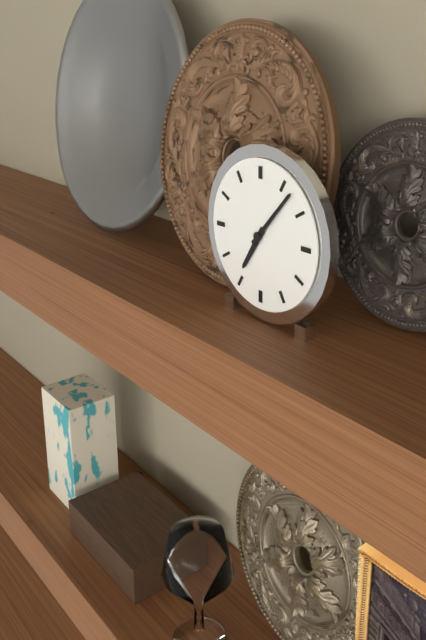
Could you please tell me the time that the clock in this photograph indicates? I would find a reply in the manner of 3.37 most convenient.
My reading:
7.07
